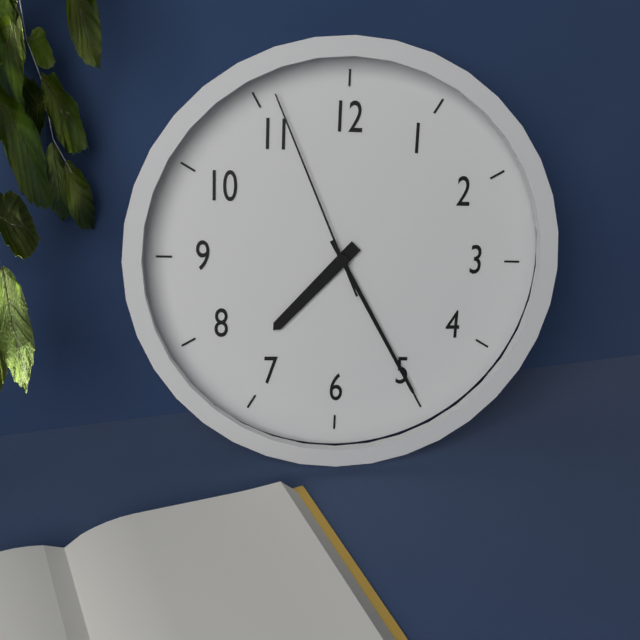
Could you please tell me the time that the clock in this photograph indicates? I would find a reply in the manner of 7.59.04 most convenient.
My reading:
7.25.56
